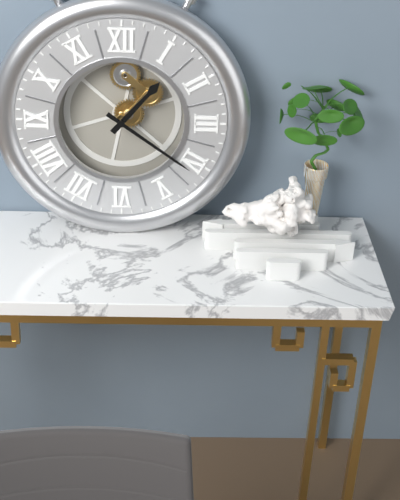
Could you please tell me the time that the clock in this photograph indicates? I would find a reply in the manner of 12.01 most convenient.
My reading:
1.21
